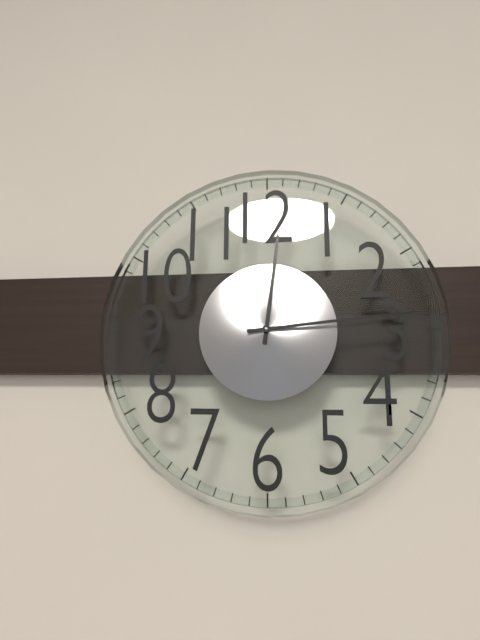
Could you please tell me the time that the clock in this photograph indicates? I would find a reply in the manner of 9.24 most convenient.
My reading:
12.14
